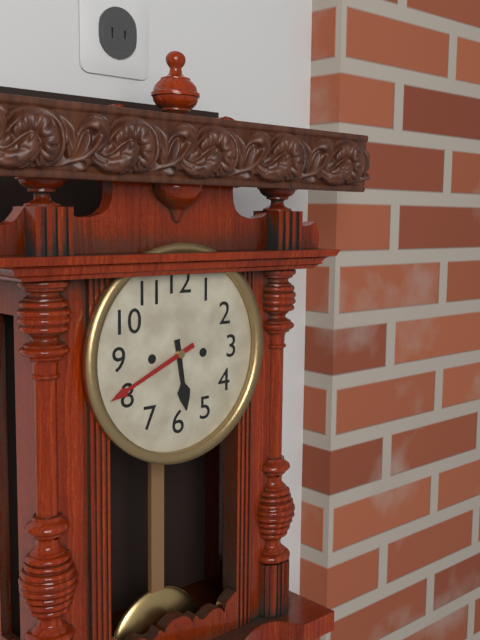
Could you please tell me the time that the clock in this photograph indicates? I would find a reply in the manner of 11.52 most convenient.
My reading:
5.41
